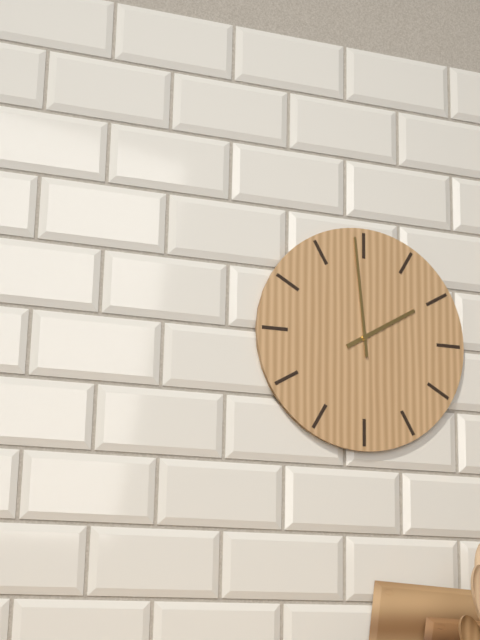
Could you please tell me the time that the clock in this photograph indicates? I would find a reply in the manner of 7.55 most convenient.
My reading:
1.59
